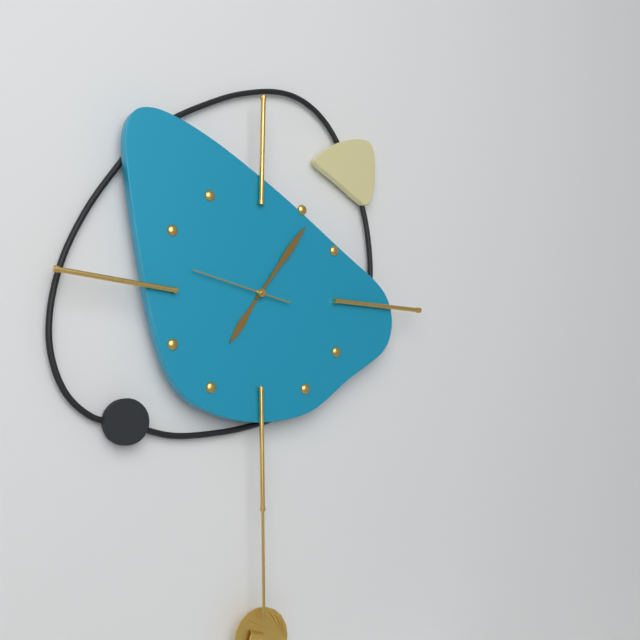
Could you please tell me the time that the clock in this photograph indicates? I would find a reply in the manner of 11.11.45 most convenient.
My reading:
7.06.47
